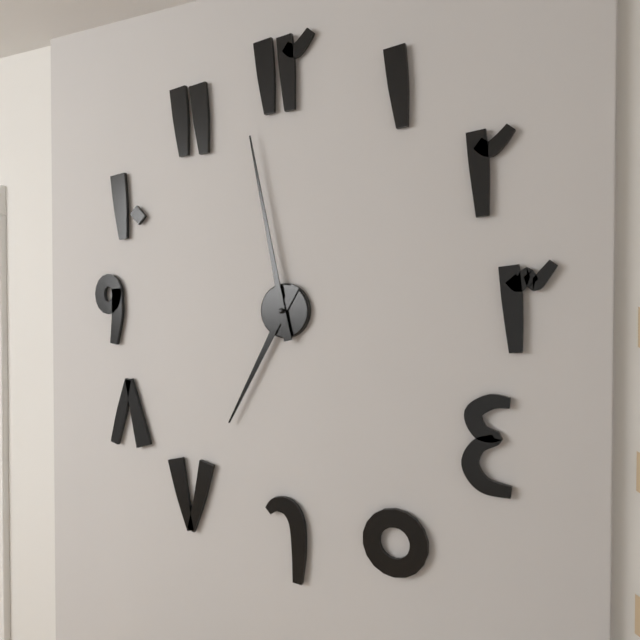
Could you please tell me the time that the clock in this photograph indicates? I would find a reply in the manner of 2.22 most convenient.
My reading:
6.58
